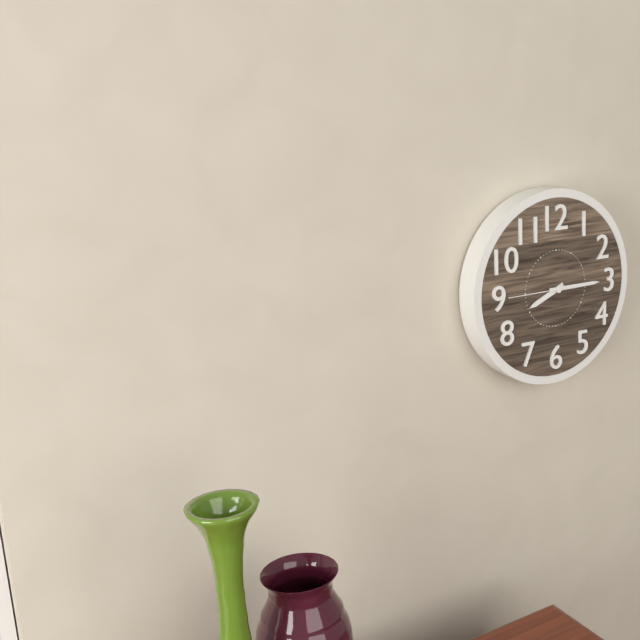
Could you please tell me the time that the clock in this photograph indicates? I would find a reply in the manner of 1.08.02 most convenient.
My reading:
8.15.45
